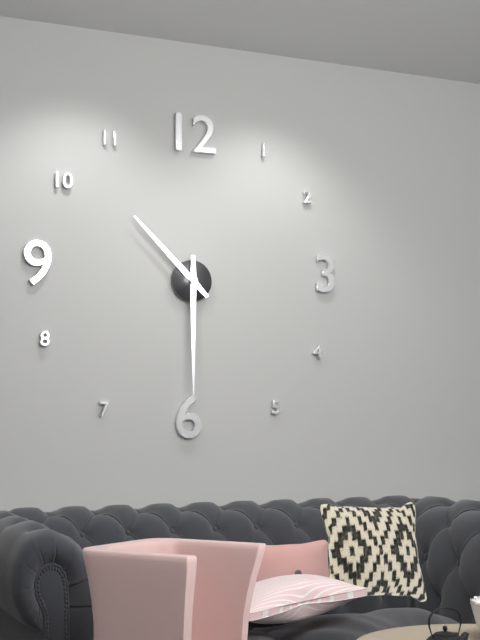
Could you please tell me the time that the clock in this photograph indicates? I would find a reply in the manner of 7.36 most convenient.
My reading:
10.30
